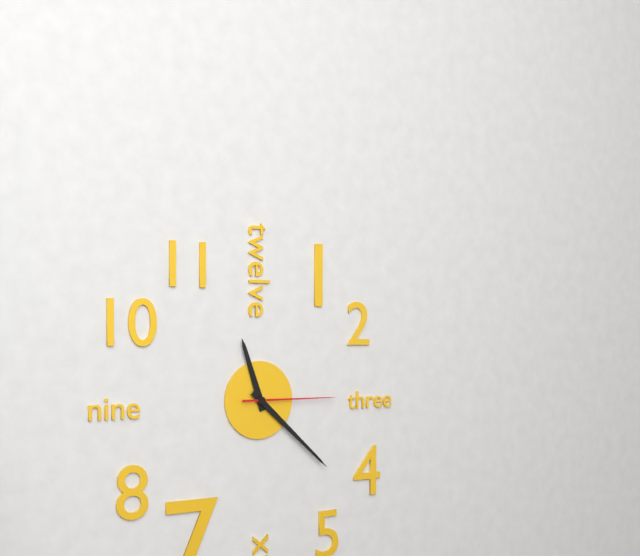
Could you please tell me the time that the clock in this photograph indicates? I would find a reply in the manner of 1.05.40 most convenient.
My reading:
11.22.15
